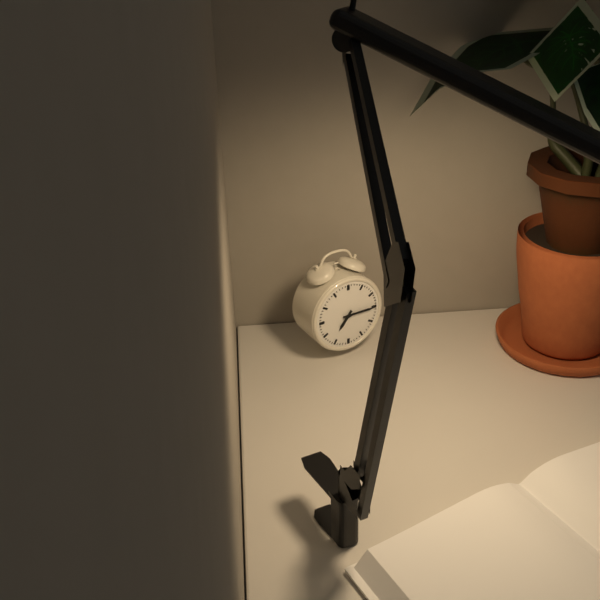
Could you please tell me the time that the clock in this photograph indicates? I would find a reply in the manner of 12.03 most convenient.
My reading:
7.15
